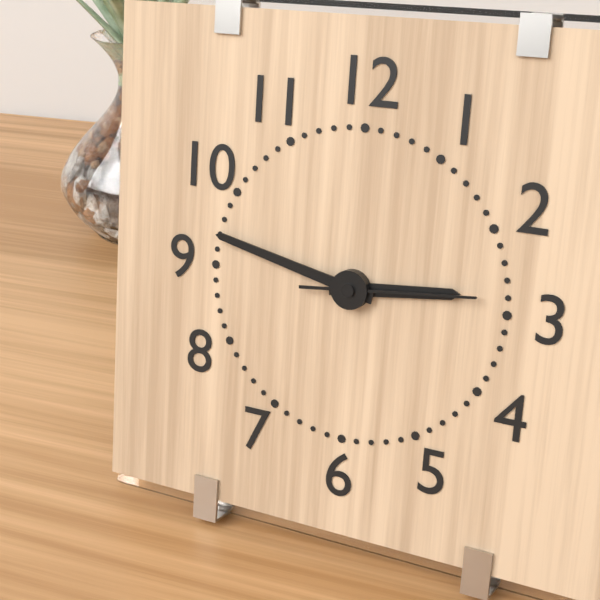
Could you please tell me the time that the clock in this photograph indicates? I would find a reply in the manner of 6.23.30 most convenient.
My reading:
2.47.14
